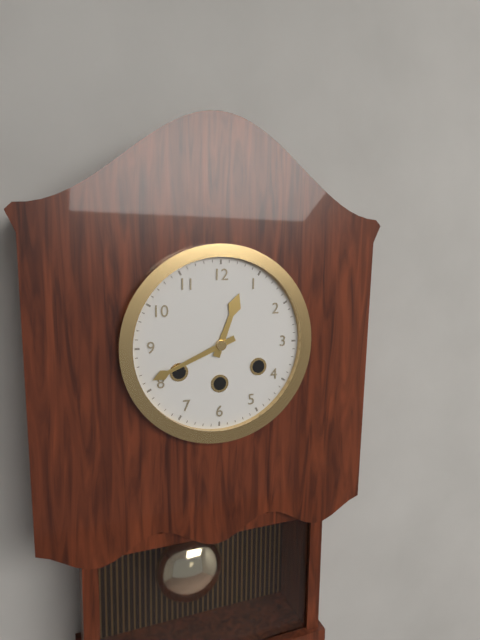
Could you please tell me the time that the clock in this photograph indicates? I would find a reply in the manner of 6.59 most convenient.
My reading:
12.41
